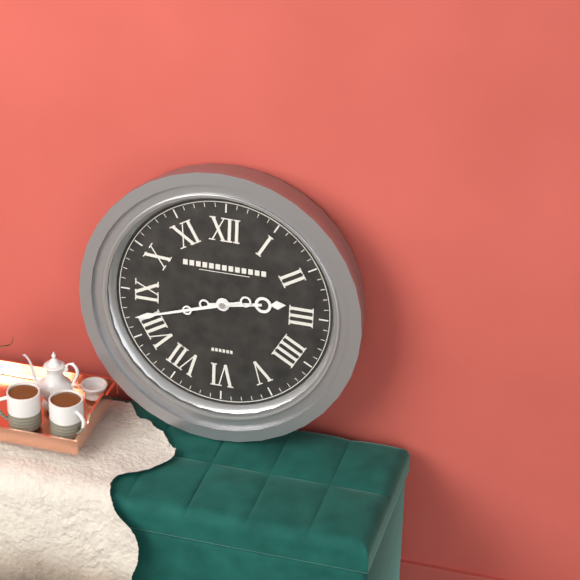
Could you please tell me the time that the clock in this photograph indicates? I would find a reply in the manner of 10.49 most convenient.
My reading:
2.42
